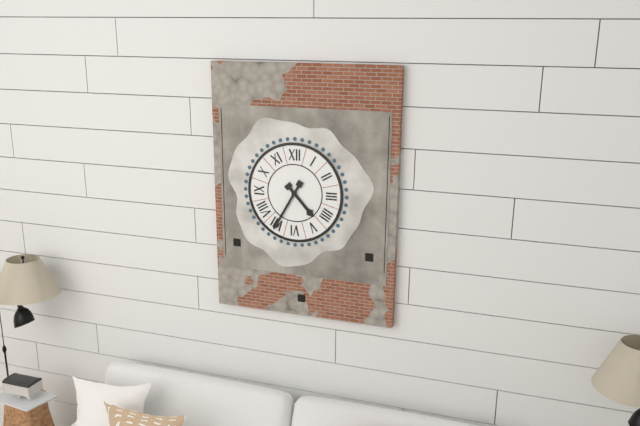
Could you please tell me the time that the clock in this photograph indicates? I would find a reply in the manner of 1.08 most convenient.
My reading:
4.35
